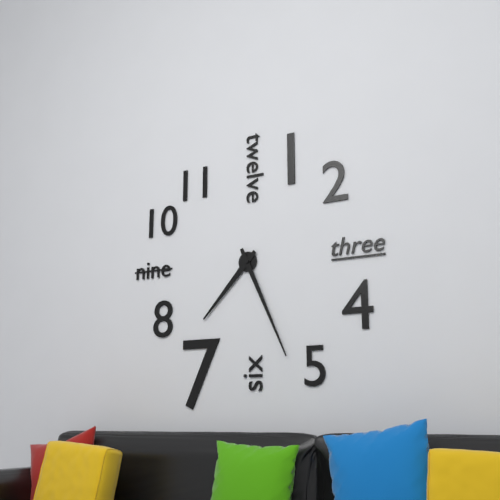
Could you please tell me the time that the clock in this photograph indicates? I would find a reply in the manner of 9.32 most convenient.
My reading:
7.26
